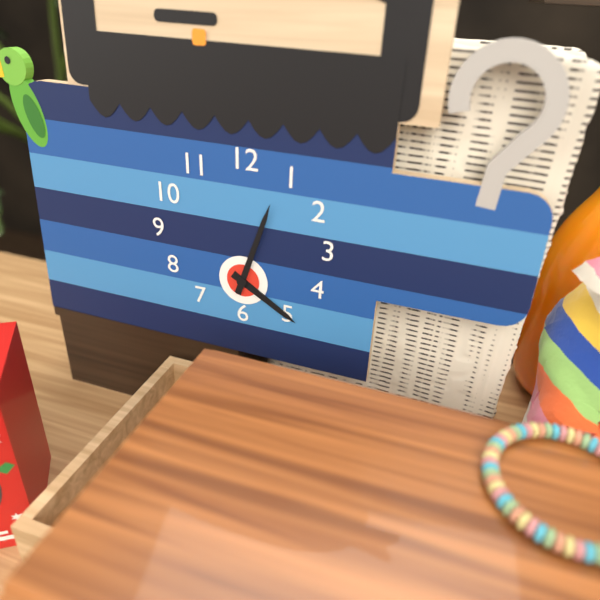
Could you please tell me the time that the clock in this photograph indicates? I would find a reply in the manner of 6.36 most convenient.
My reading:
4.03
